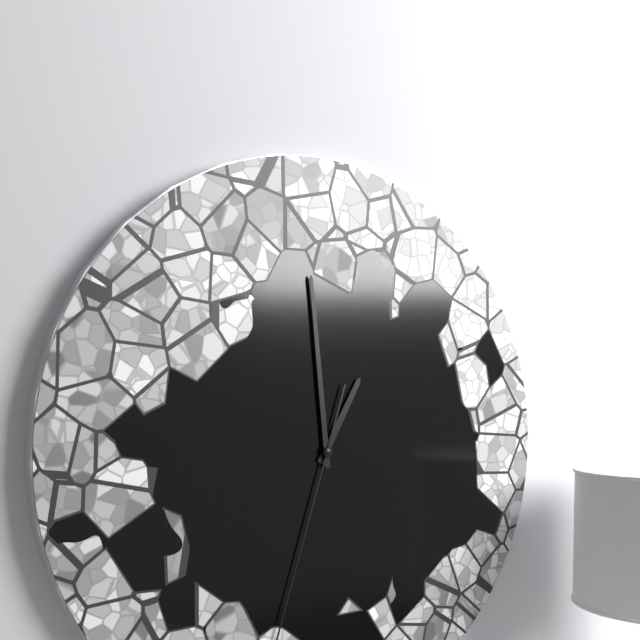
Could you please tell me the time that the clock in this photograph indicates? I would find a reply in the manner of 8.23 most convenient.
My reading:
12.59
